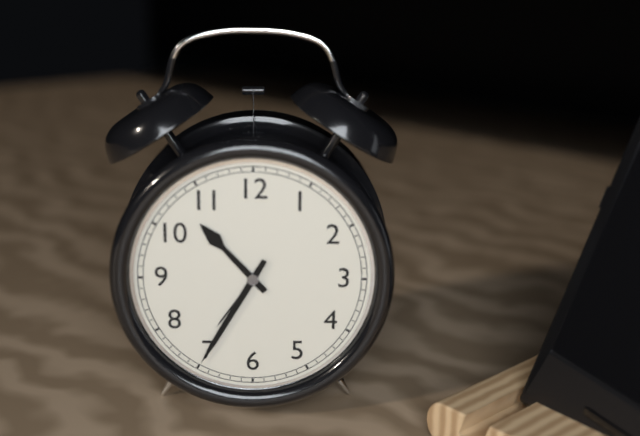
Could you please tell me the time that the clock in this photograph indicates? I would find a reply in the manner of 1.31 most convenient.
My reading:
10.35
